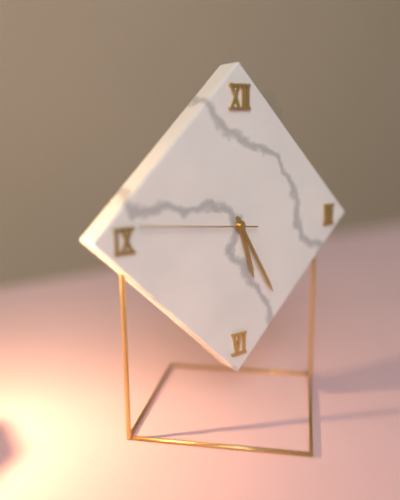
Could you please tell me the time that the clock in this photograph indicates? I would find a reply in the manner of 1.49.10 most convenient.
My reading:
5.25.46
